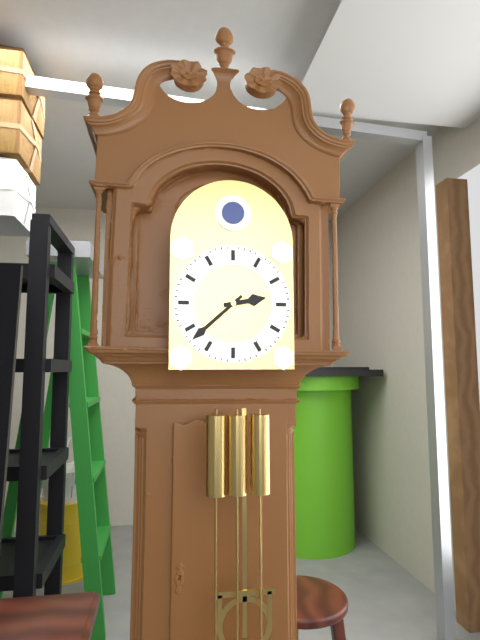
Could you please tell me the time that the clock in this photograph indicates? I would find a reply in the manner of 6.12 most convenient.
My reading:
2.38
